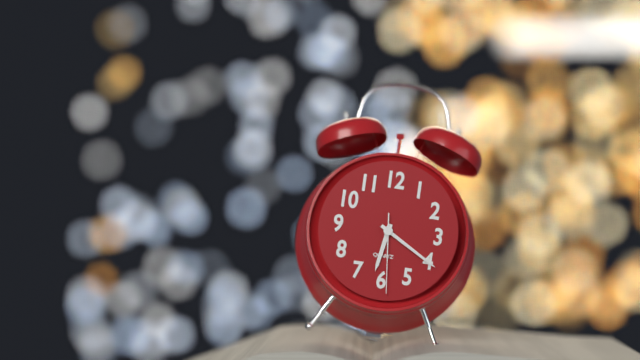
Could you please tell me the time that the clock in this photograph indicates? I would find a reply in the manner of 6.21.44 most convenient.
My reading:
6.20.29
